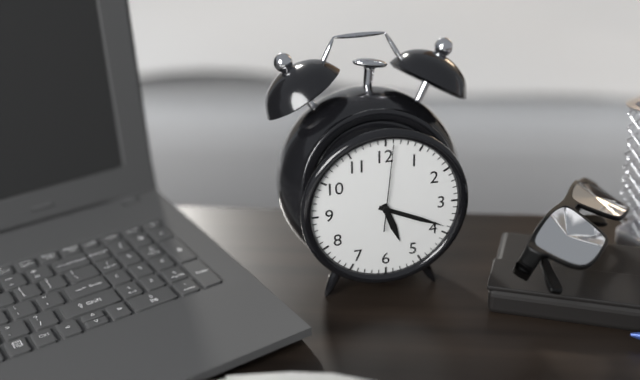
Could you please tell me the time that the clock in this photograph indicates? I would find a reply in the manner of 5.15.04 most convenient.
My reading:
5.19.01
